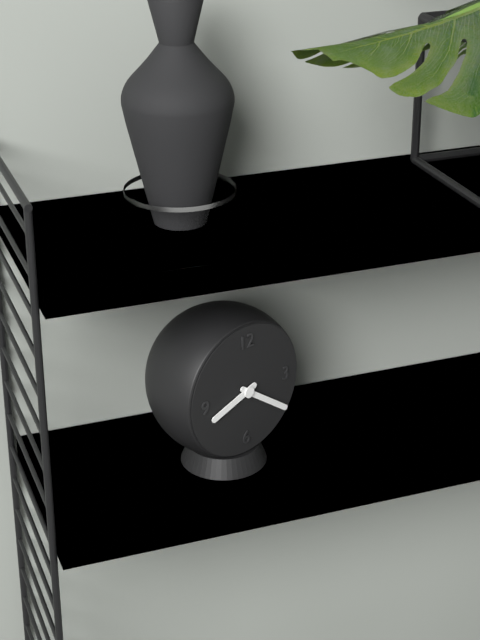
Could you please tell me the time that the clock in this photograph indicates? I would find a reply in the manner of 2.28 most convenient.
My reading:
8.21
